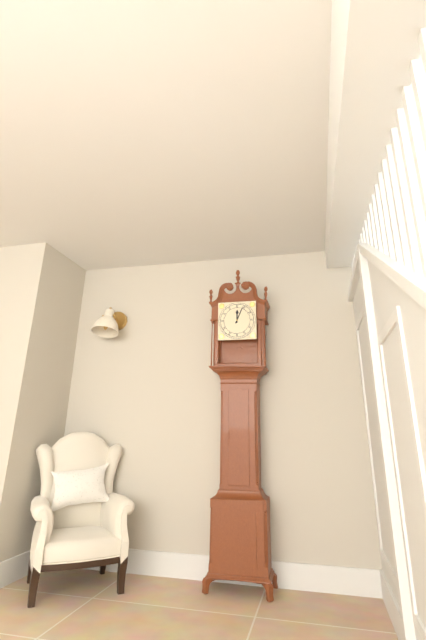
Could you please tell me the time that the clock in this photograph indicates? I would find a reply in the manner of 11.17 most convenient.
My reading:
12.04
